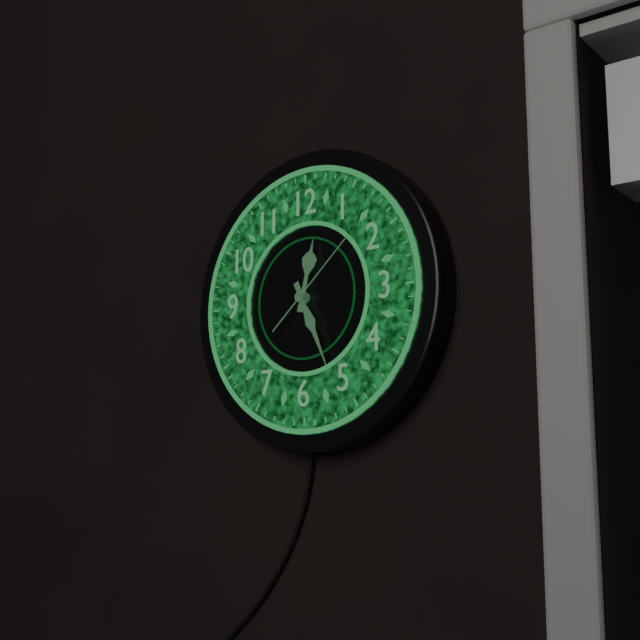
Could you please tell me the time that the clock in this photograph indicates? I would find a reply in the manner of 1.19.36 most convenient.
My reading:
12.26.08
